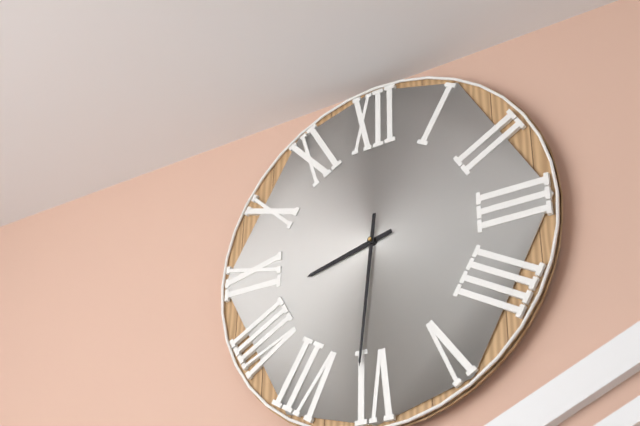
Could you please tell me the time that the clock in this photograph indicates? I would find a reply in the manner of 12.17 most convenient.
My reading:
8.31
